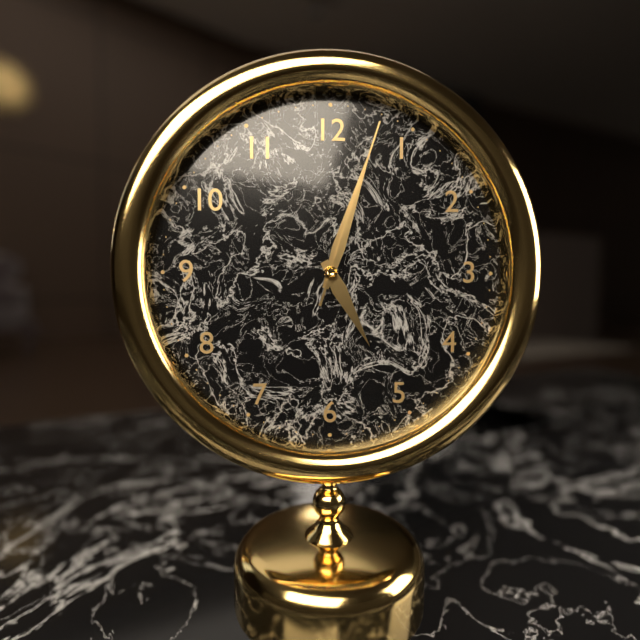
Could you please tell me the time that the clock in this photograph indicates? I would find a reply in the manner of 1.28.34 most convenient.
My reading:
5.03.03
